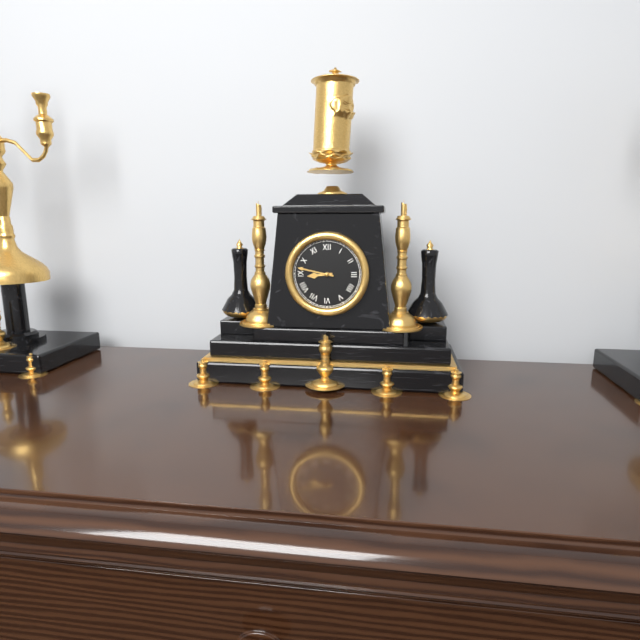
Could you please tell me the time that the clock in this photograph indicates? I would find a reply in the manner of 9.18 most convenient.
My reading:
8.47
